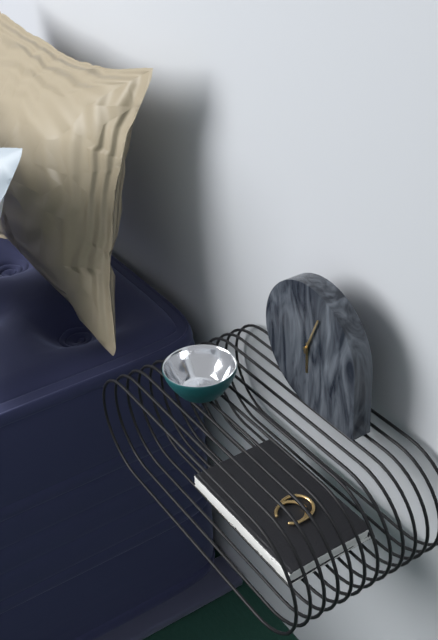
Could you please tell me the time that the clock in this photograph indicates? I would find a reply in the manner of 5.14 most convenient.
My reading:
6.04
